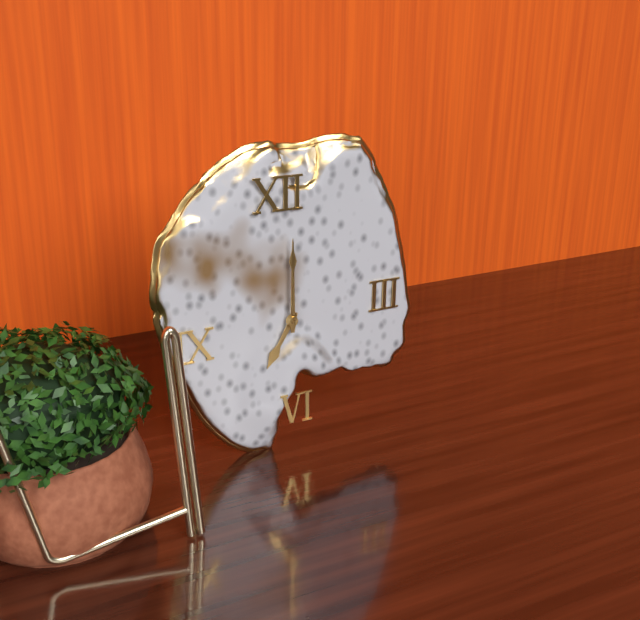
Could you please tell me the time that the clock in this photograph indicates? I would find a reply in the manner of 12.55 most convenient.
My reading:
7.00
